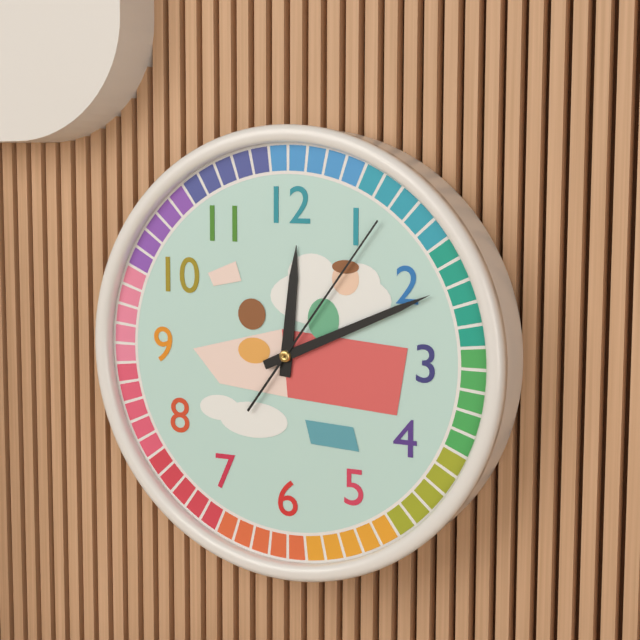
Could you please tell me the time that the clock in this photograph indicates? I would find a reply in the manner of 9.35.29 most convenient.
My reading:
12.11.06
